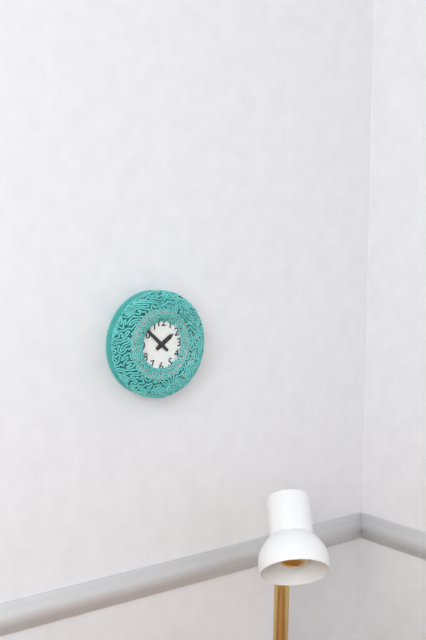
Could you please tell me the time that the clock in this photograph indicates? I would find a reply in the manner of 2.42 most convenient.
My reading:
1.52
